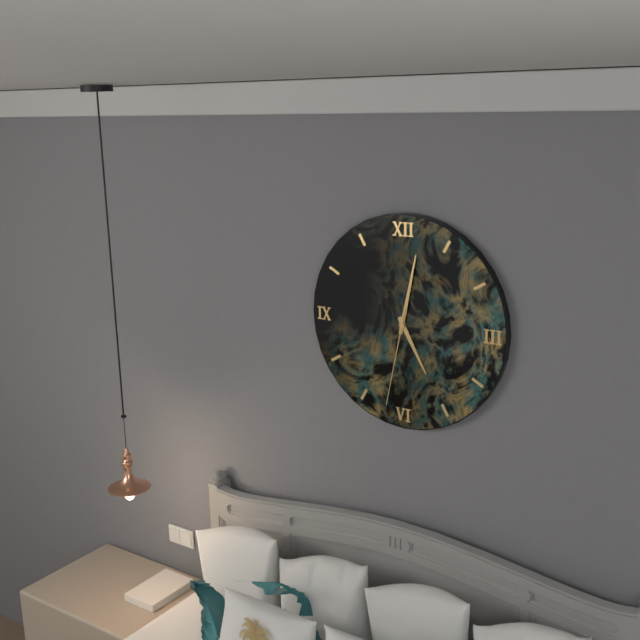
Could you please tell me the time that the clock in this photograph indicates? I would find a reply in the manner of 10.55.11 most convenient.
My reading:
5.02.32
